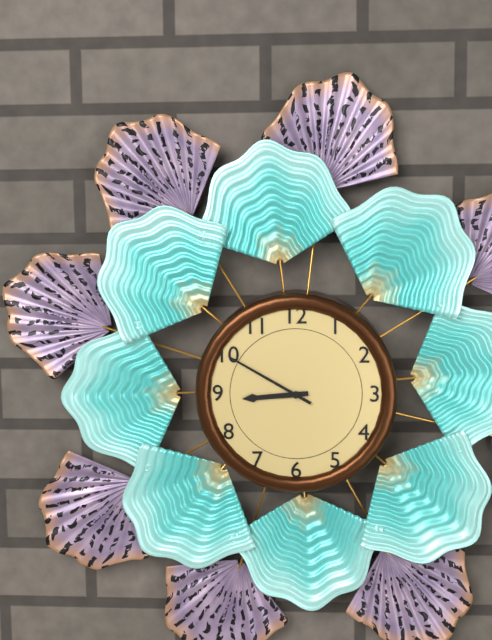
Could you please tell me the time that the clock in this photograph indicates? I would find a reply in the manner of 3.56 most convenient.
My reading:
8.50
